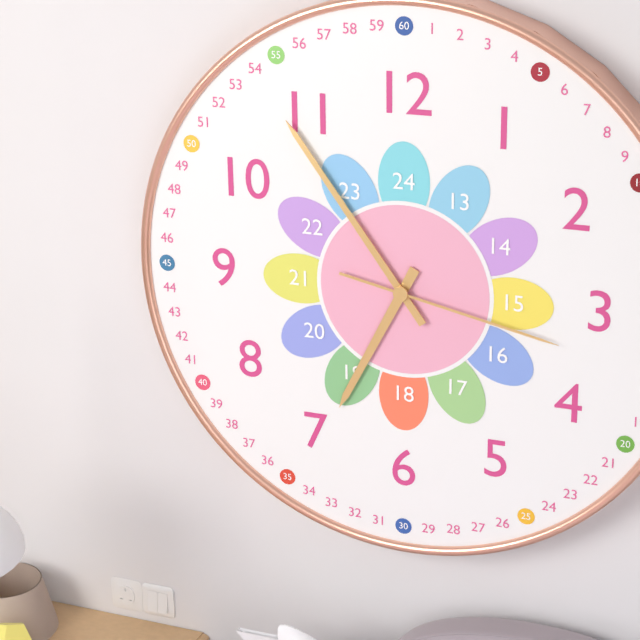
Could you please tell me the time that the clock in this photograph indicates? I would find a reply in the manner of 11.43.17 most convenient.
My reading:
6.54.17
